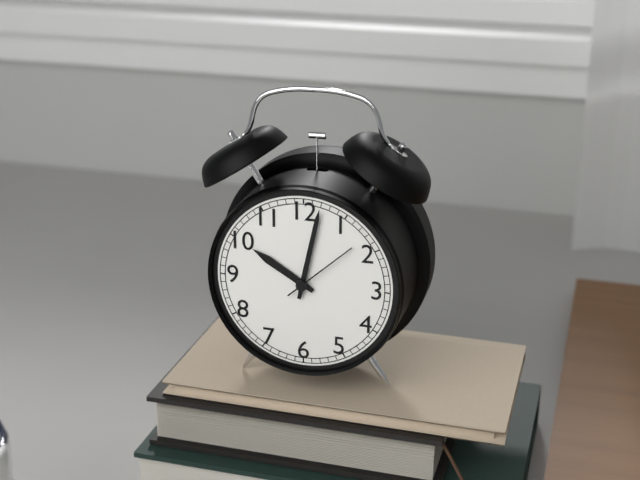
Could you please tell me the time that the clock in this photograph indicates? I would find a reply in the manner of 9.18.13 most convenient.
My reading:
10.02.08
